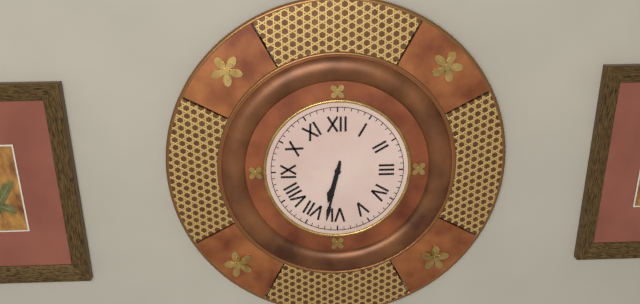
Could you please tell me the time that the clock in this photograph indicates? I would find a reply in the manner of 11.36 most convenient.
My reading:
6.32
